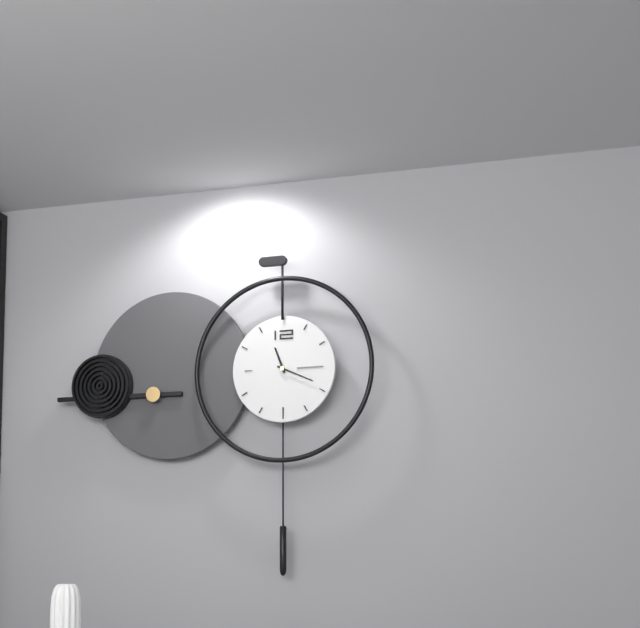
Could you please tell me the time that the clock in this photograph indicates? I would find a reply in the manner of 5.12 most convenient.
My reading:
11.19
